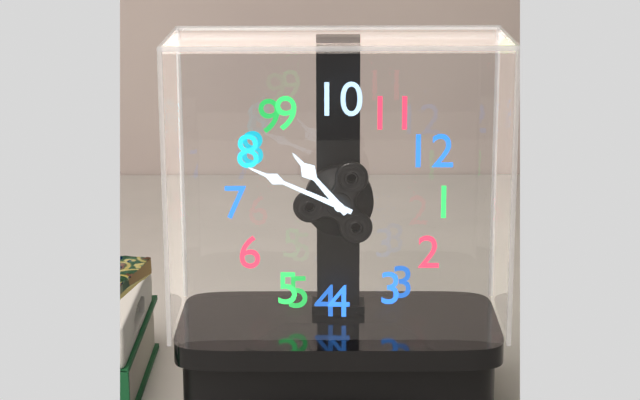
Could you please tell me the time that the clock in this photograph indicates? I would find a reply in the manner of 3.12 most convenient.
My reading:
8.39
